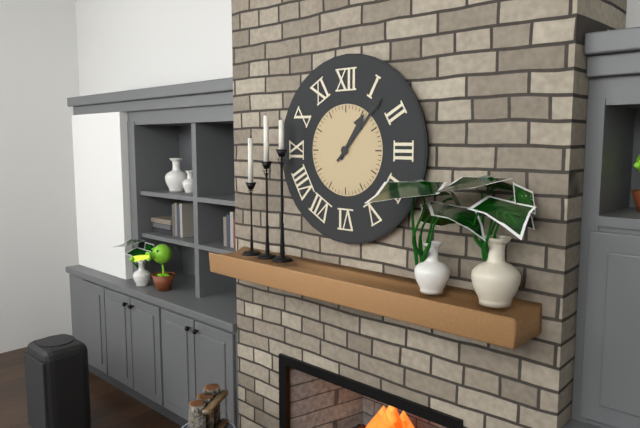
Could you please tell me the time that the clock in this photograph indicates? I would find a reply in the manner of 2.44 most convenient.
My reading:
1.07
